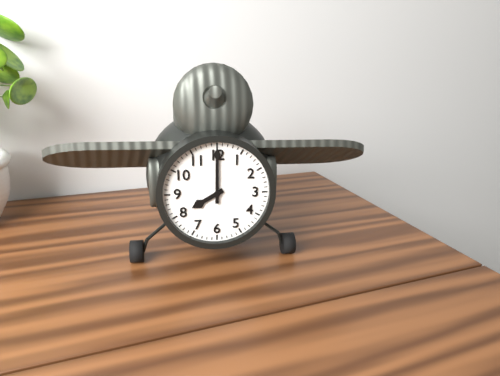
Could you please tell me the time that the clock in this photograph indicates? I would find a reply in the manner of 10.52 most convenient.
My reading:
8.00
